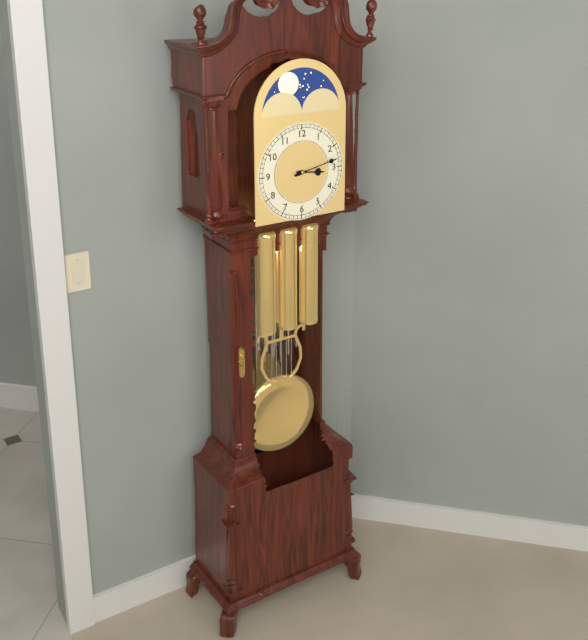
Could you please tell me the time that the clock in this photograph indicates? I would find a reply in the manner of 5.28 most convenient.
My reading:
3.13
